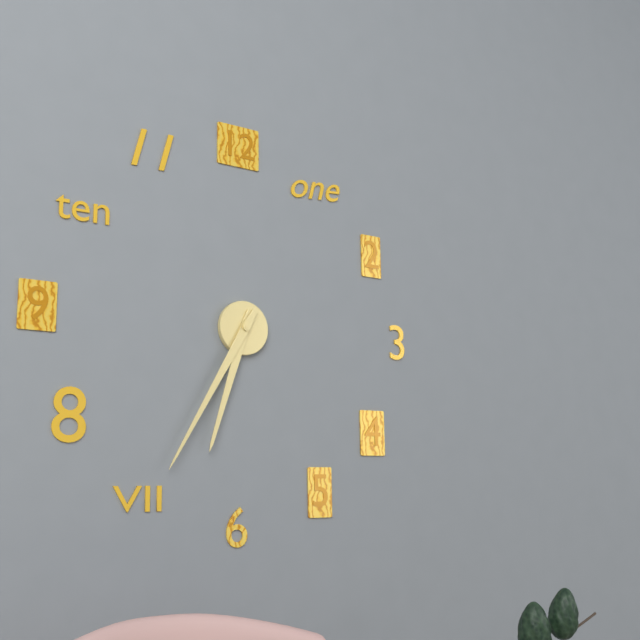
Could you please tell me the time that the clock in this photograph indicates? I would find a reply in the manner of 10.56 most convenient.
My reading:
6.35
